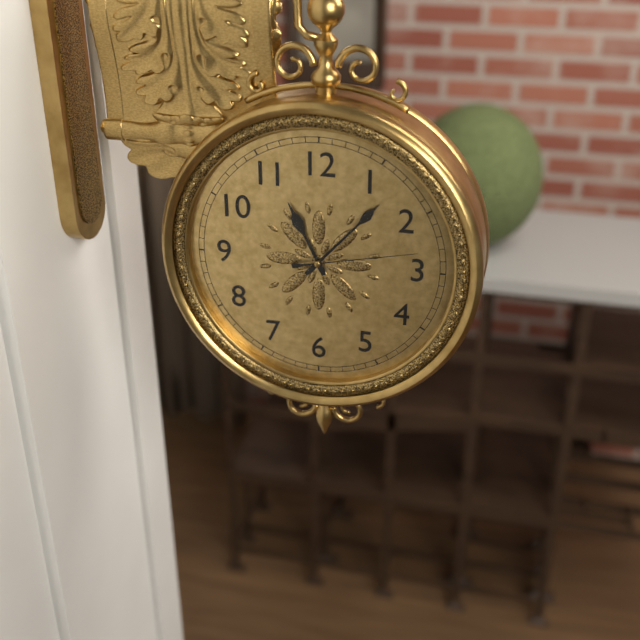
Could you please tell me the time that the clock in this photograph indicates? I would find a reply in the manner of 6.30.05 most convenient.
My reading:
11.07.13
